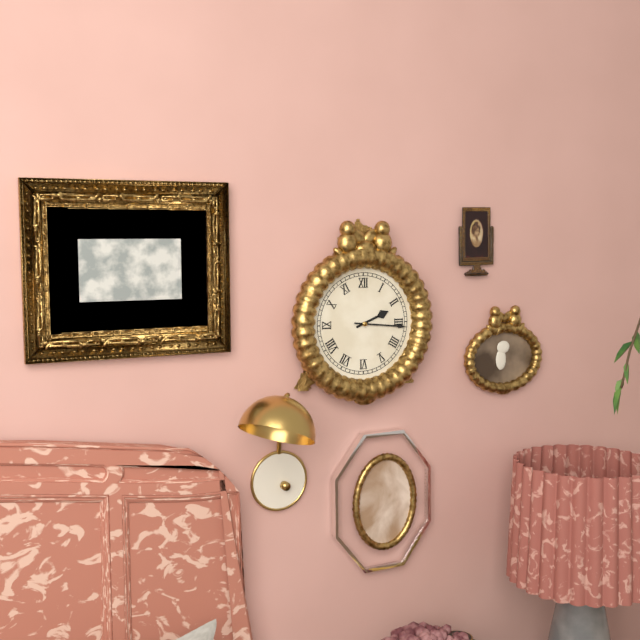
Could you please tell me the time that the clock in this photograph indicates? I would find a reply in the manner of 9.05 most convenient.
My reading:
2.16
